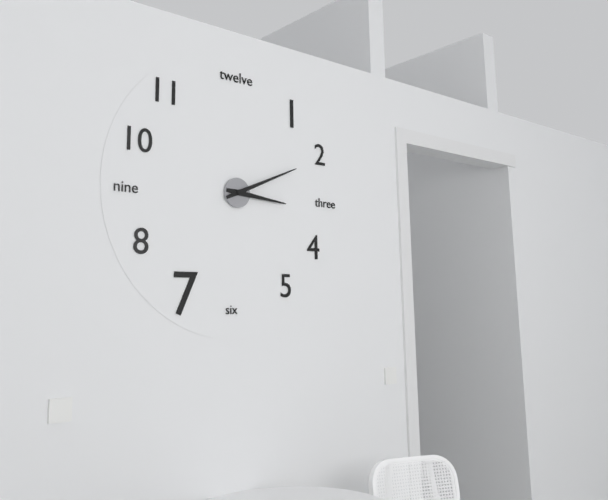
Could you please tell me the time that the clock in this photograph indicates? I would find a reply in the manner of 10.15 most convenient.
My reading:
3.11
